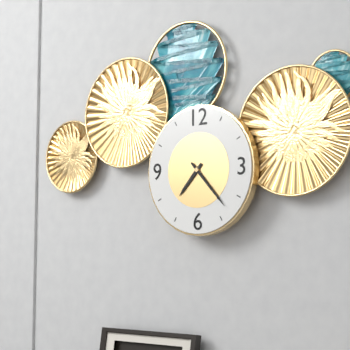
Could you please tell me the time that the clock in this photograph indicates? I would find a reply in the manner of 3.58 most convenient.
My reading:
7.23
